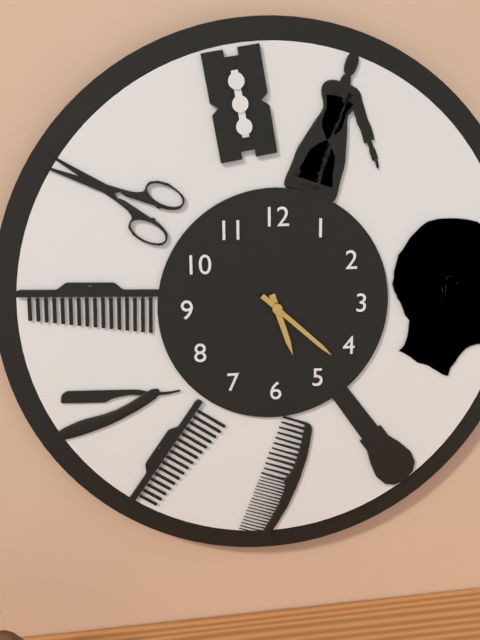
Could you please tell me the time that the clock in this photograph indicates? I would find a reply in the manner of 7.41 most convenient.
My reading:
5.22
